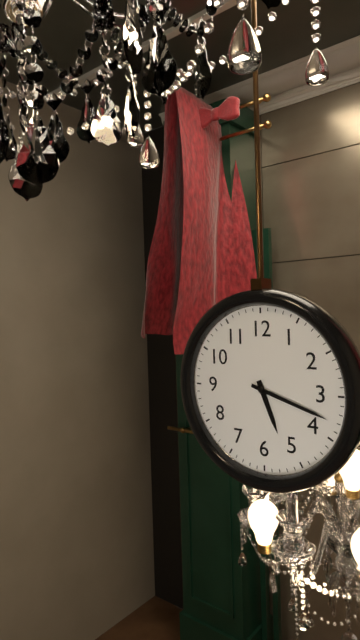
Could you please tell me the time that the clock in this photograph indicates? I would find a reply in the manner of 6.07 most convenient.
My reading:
5.18
